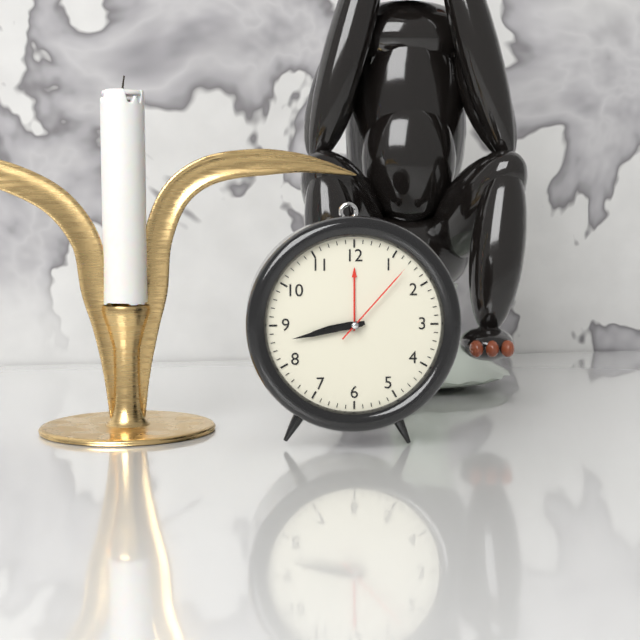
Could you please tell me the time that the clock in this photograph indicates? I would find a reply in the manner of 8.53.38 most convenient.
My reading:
8.43.07
